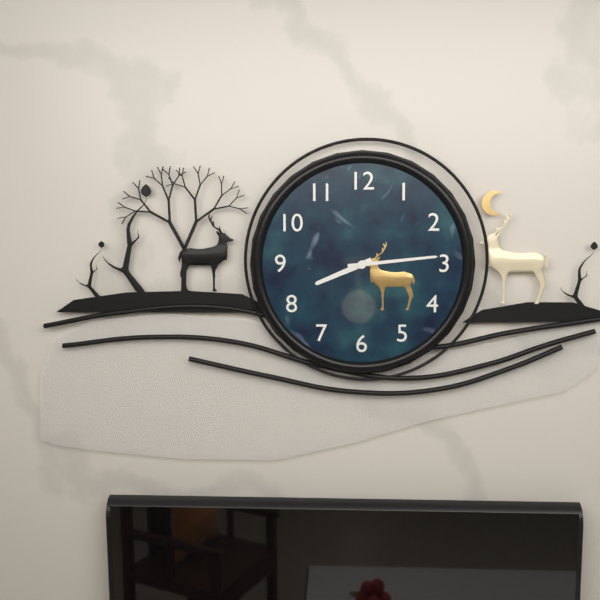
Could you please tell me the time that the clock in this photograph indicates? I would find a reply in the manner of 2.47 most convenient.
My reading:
8.14
